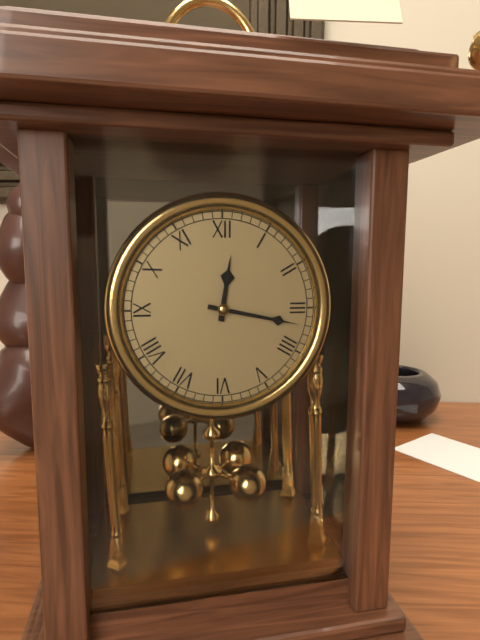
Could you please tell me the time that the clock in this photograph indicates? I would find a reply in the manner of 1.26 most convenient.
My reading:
12.17
